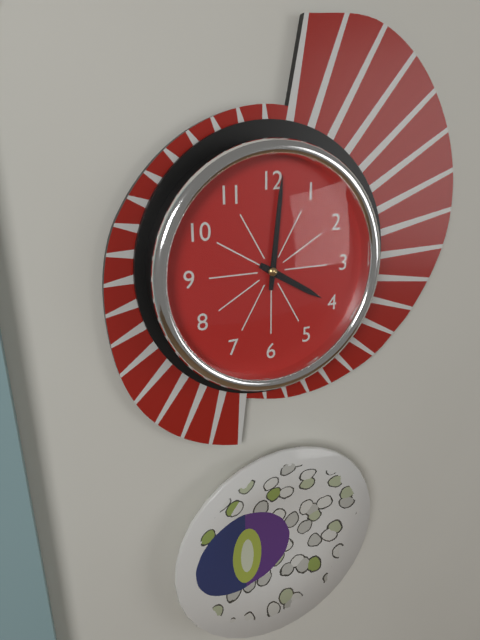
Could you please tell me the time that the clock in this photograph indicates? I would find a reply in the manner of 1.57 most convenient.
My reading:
4.01
